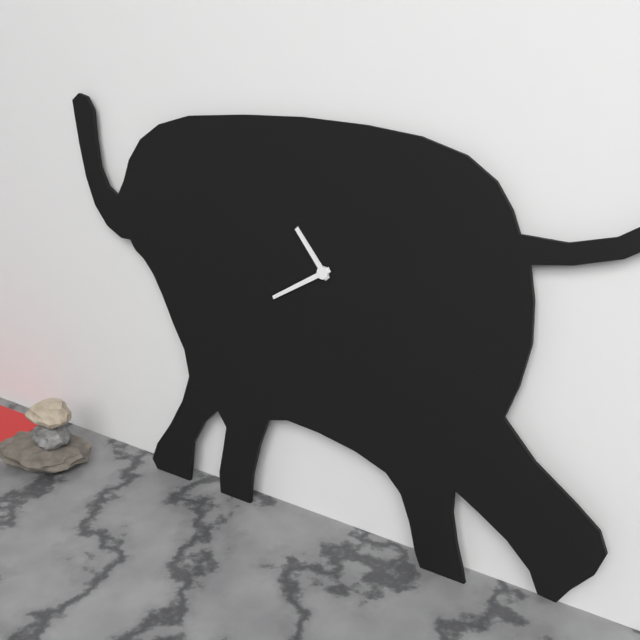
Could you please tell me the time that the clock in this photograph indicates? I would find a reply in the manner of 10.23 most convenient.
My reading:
10.40
